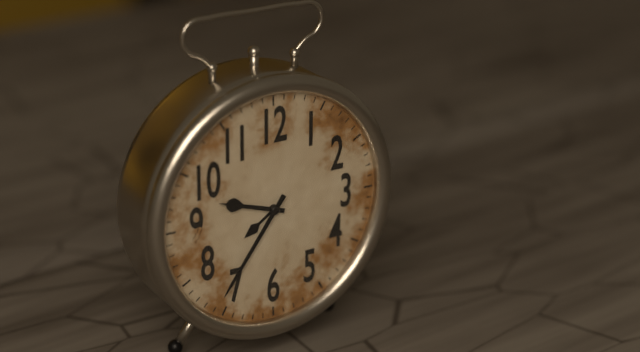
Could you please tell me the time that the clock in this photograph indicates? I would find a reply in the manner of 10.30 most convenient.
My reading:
9.36
